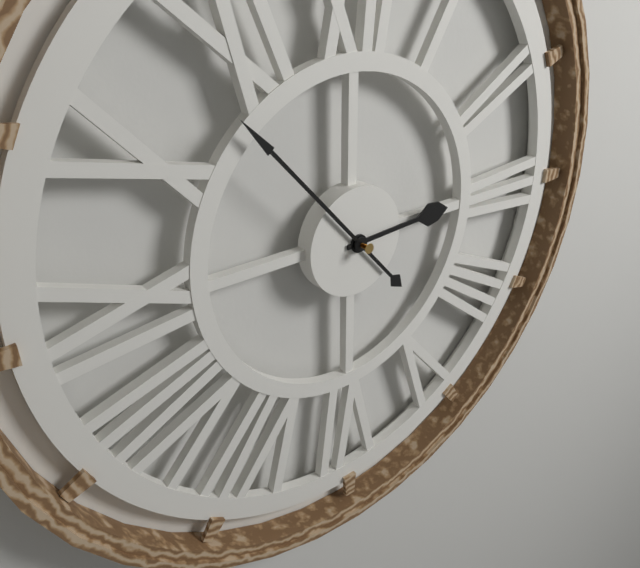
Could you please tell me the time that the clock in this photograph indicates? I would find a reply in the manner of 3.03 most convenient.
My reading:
2.53
